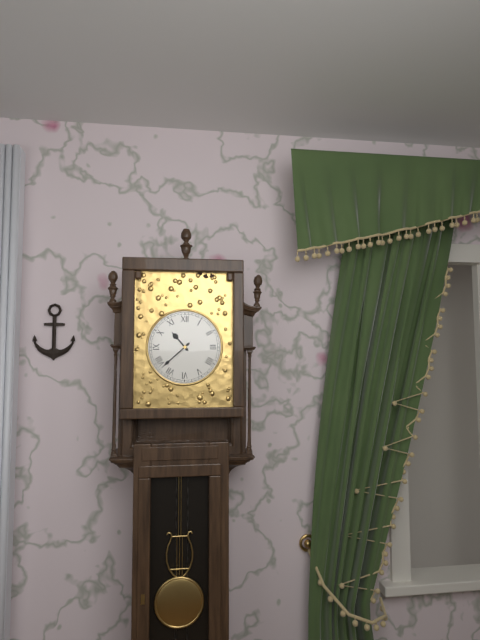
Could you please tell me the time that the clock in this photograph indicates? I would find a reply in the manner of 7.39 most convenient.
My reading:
10.38
